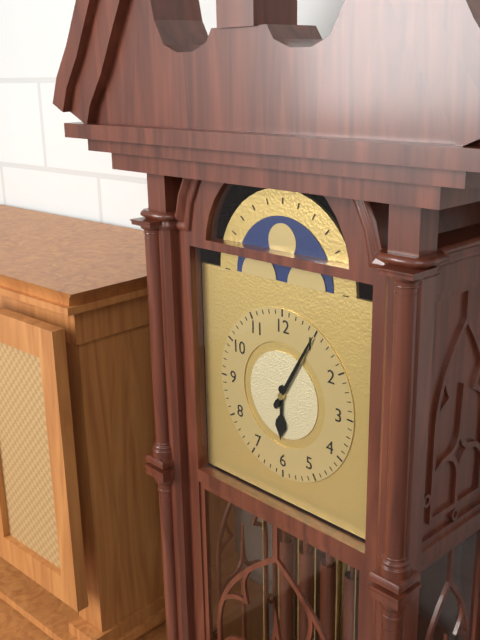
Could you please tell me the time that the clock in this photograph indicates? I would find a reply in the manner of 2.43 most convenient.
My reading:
6.05
